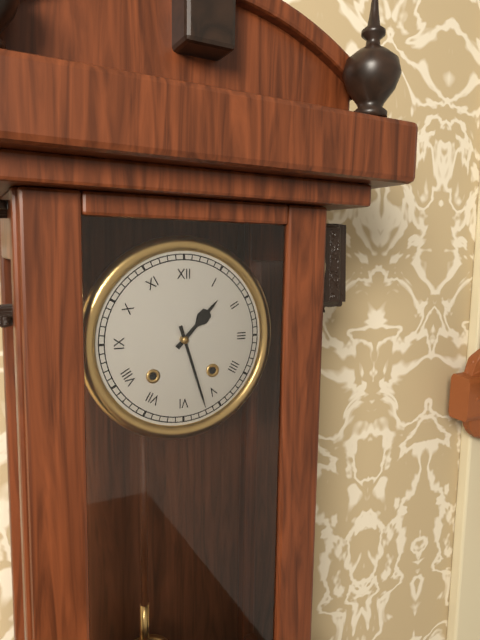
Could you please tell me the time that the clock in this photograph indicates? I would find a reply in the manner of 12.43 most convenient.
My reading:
1.27
